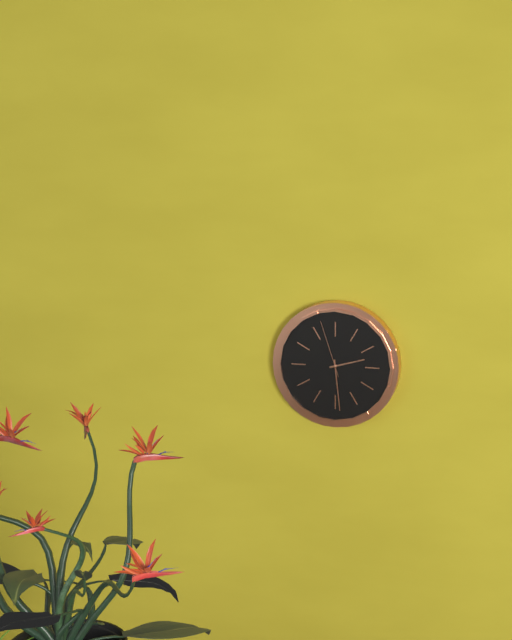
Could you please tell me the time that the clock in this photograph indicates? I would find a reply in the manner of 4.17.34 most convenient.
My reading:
2.29.57
